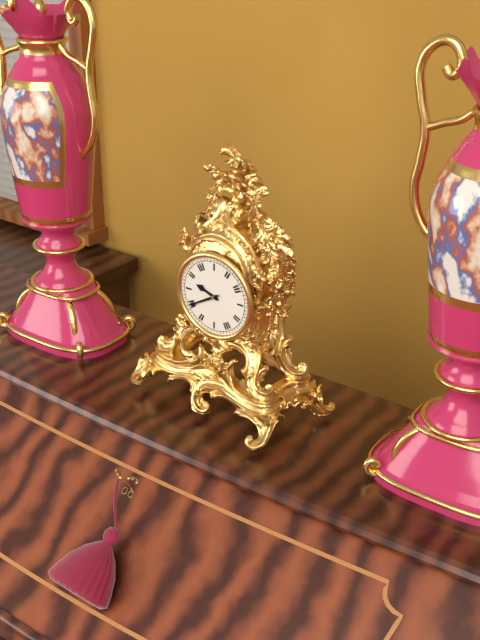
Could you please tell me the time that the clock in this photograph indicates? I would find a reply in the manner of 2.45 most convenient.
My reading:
9.40
